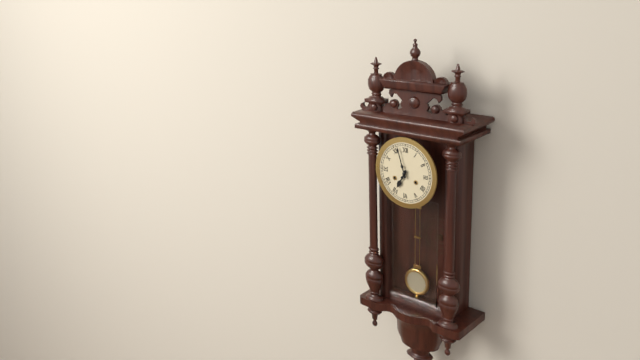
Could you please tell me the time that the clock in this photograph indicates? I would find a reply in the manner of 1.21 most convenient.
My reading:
6.57
